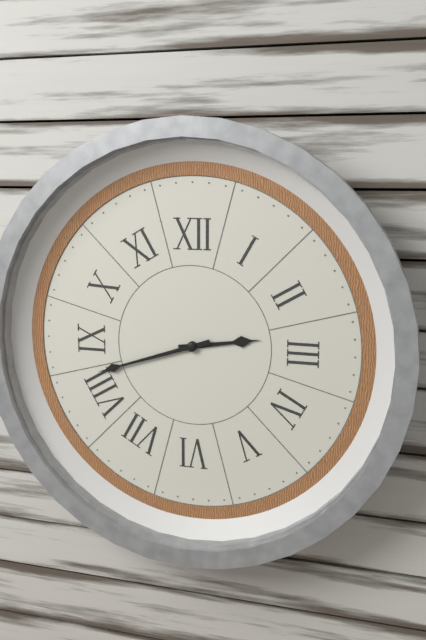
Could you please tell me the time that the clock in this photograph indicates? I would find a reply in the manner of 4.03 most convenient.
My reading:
2.42
